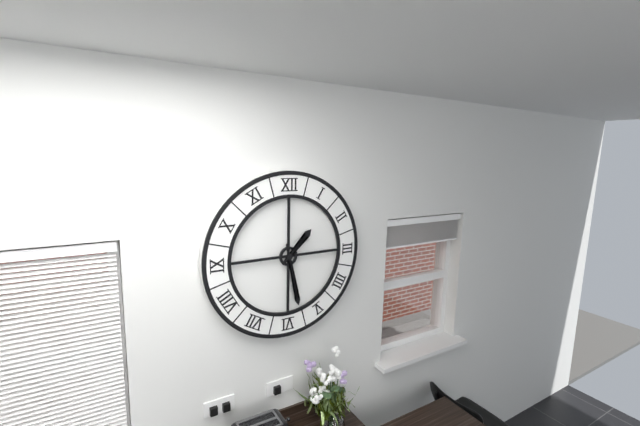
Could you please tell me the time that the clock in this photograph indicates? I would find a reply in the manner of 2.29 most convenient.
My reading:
1.28
